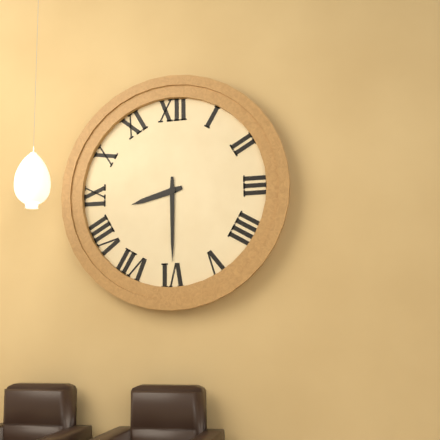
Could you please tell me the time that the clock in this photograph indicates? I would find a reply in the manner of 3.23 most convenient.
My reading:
8.30
